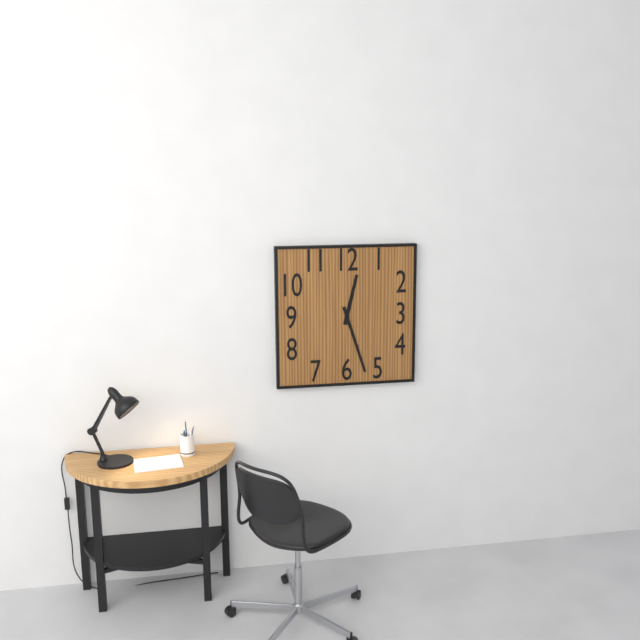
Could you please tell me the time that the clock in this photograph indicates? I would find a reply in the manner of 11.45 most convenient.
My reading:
12.27
